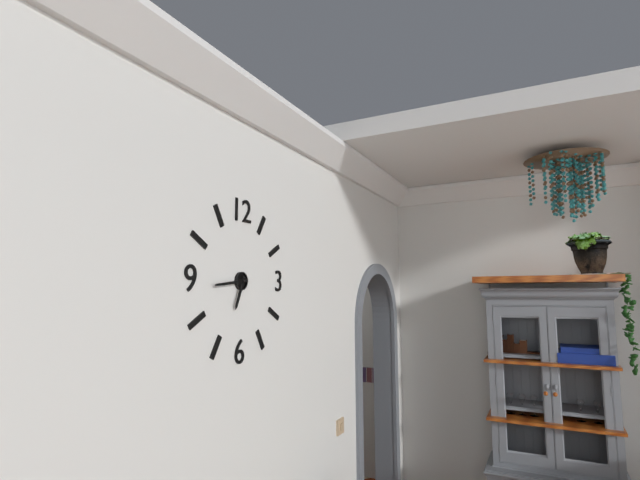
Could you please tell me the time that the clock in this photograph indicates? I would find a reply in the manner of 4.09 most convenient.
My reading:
6.44
